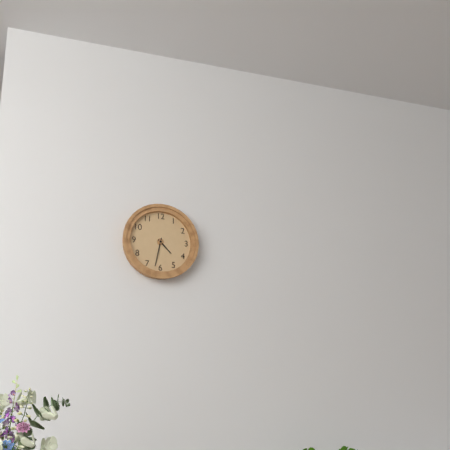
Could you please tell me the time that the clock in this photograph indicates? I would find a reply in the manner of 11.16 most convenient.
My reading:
4.32
